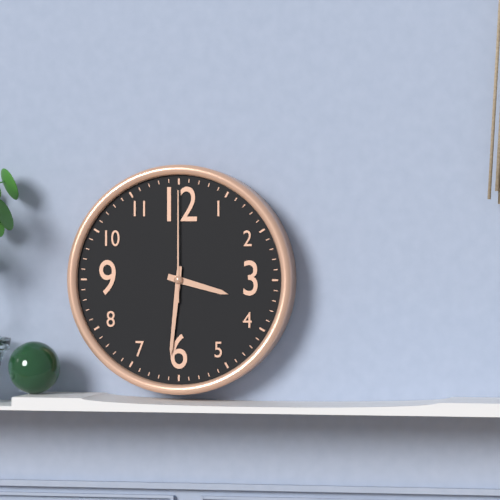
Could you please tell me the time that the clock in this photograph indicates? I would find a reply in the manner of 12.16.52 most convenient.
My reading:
3.31.00
